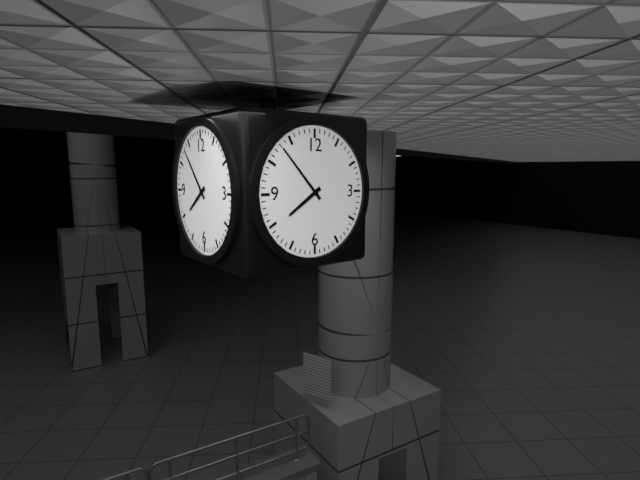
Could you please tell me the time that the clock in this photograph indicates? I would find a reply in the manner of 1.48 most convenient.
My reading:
7.53
